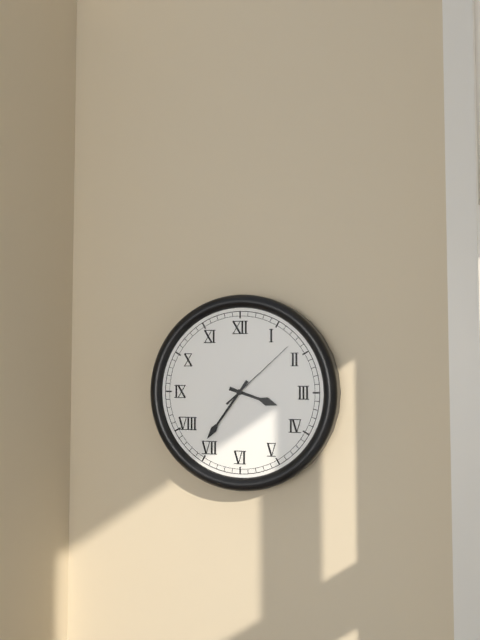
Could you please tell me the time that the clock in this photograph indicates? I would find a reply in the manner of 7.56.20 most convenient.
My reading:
3.36.08
